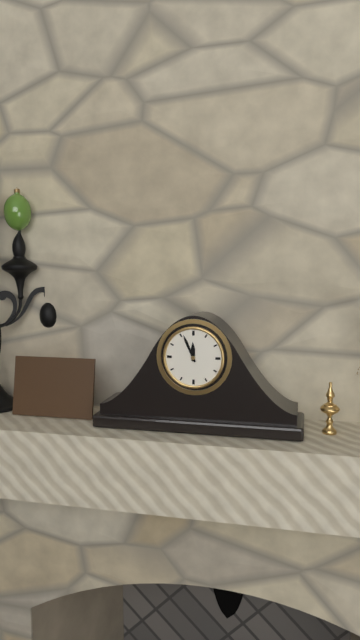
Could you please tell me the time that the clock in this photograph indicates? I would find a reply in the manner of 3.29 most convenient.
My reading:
11.56
